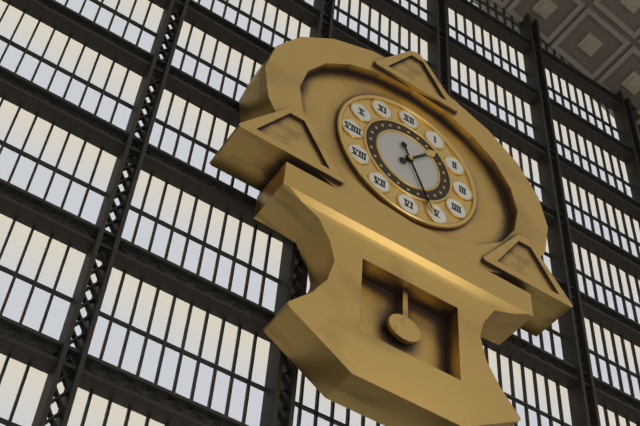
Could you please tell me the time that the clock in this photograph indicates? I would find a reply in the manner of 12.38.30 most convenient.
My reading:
1.26.26
